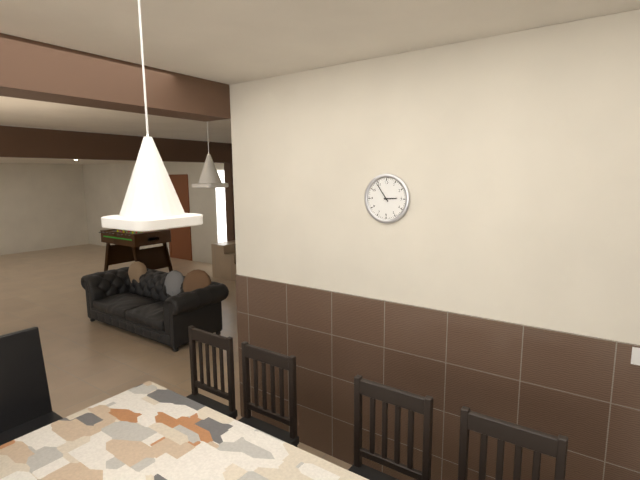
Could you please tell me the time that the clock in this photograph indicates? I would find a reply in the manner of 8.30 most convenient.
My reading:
2.54
